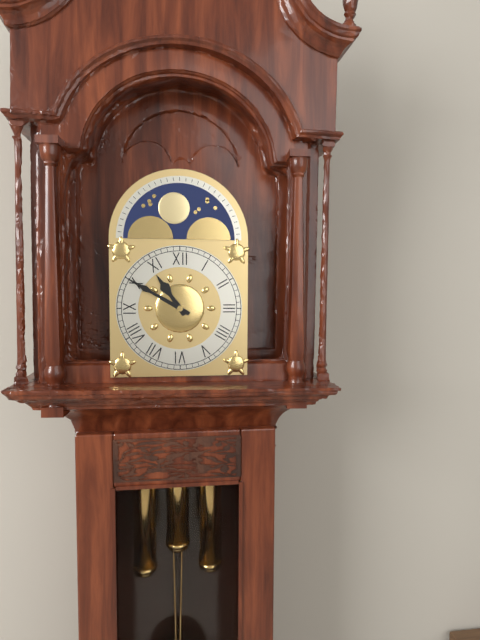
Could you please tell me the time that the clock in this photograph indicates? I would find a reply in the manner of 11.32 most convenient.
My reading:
10.50
